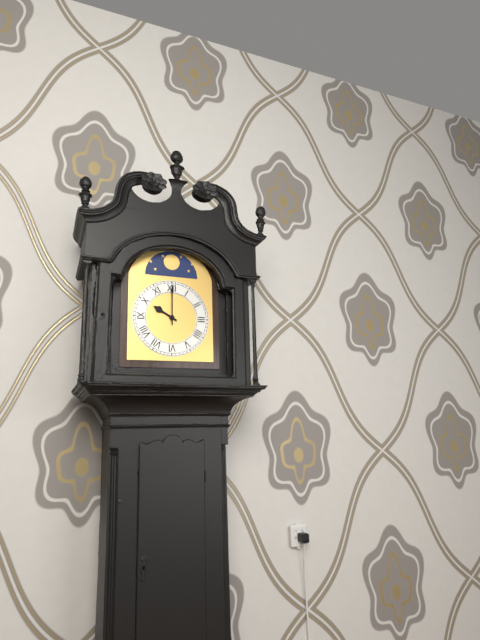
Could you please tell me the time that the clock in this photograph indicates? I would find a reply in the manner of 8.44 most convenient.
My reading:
10.00
